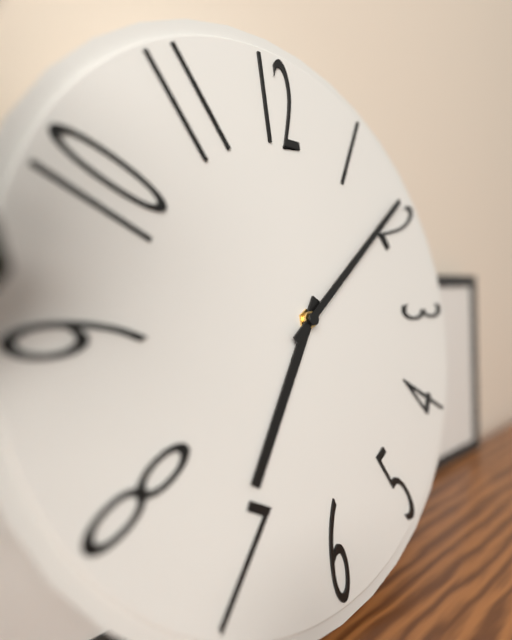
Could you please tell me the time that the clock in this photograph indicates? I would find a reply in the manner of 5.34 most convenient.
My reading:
7.09
